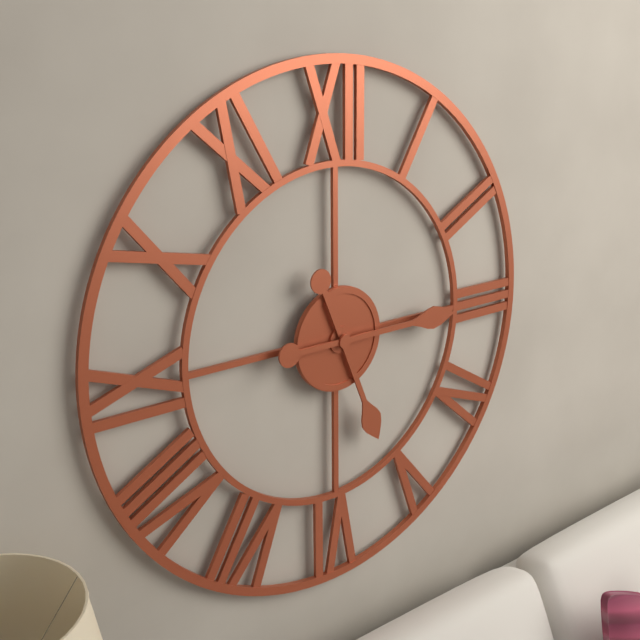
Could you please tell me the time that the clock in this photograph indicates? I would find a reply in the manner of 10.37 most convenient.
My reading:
5.15
